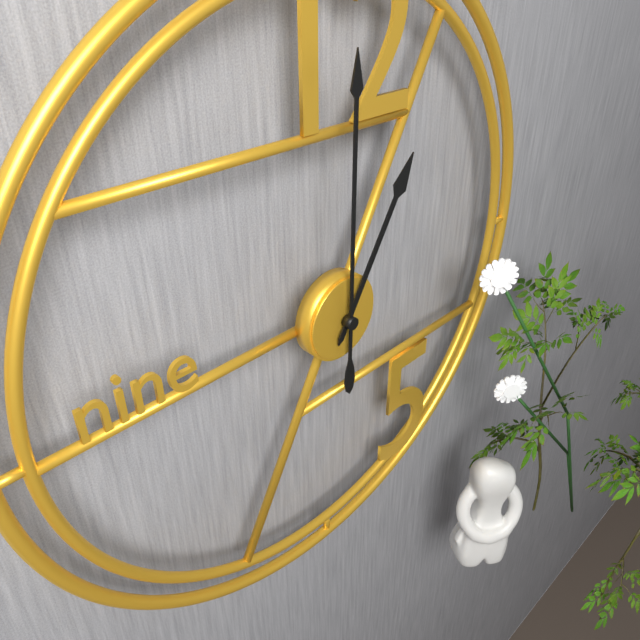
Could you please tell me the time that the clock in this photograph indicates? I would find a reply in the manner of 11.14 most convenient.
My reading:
1.00
